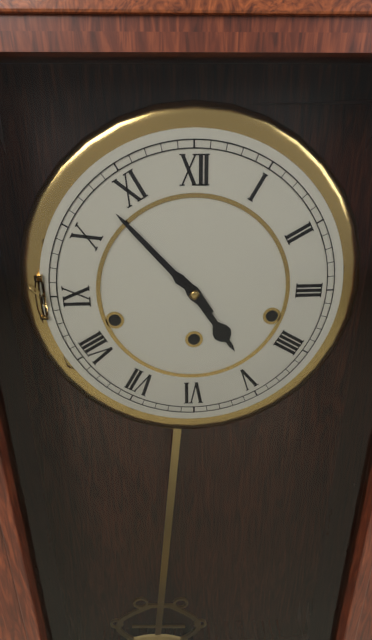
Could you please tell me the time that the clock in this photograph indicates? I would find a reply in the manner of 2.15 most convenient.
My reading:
4.53
